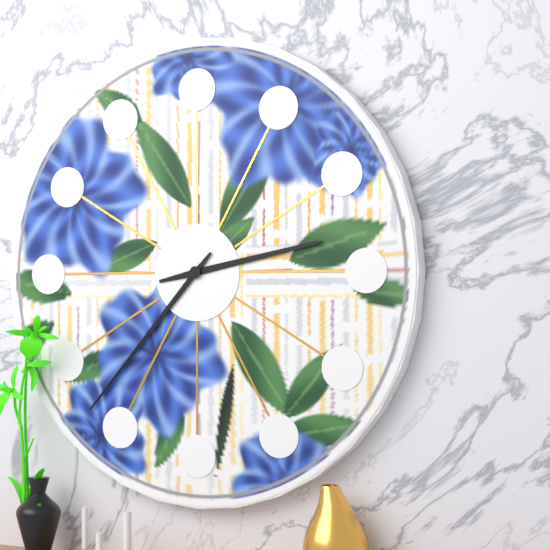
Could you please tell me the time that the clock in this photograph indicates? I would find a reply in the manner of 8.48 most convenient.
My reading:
2.37
